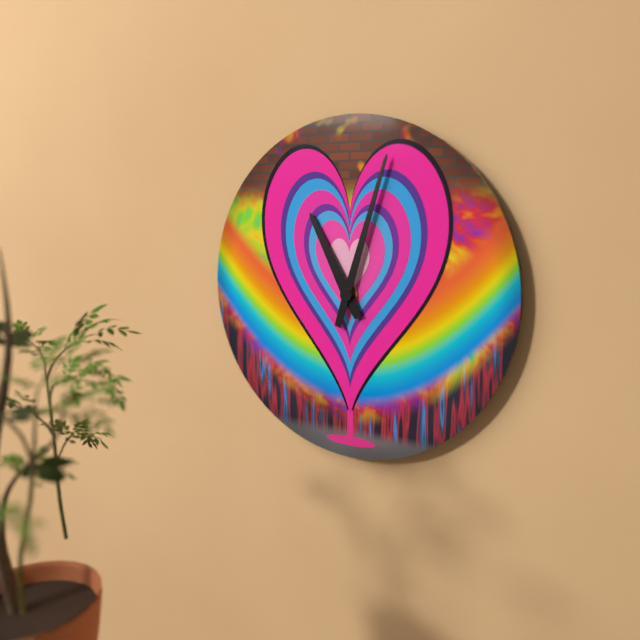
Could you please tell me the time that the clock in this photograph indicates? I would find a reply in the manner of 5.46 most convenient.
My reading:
11.03
